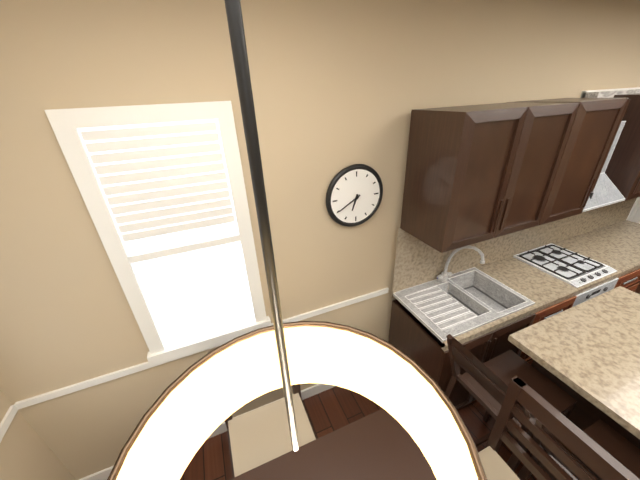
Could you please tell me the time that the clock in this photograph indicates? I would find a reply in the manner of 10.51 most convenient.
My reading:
6.40
